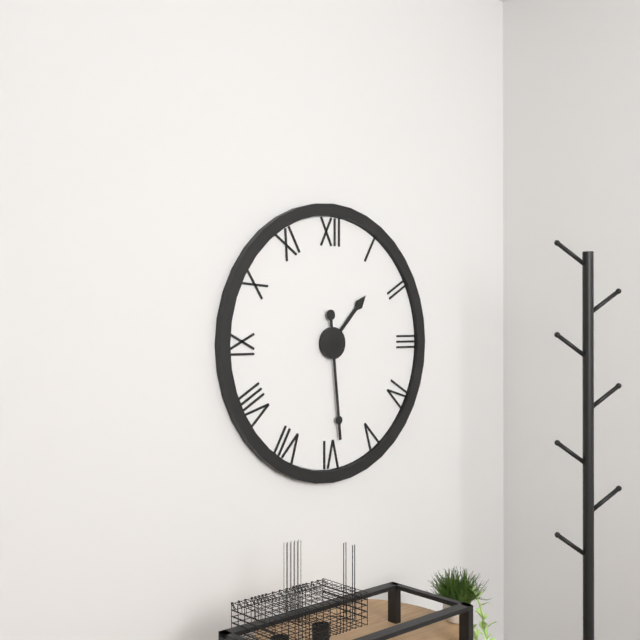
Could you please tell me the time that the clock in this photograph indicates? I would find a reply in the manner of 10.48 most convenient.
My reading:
1.29
